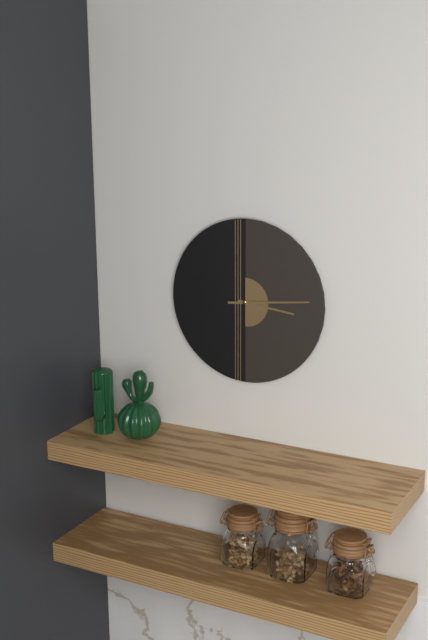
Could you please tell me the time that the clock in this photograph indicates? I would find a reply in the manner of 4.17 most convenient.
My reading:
3.14
